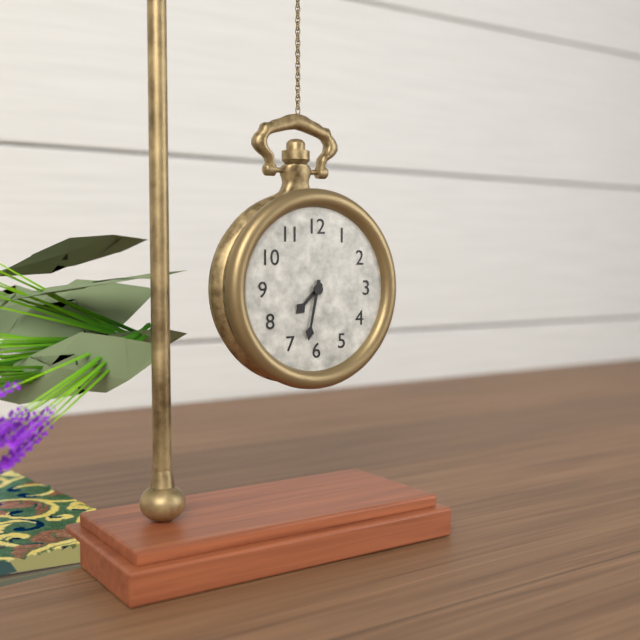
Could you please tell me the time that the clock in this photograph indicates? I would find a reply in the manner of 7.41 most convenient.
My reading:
7.32
